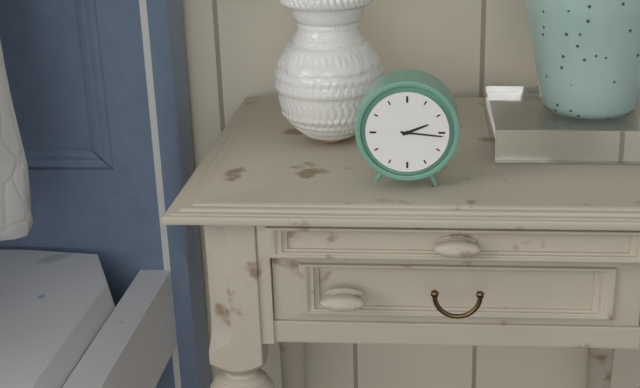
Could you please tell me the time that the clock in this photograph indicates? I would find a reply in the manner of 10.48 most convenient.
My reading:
2.16
